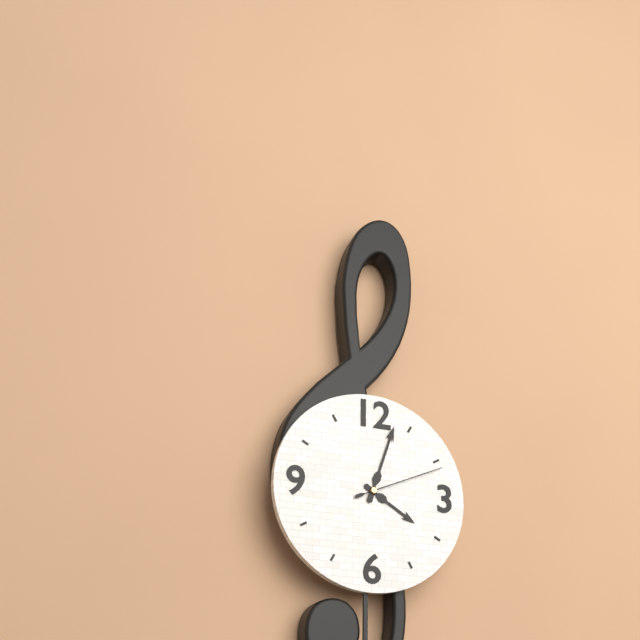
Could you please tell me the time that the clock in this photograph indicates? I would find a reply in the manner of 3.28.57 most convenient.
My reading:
4.03.11
